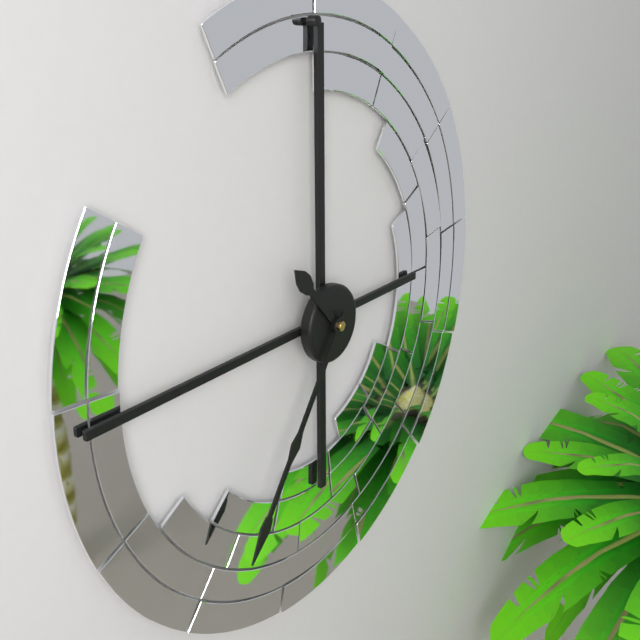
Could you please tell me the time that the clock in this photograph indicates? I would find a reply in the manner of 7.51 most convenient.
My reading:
10.36
